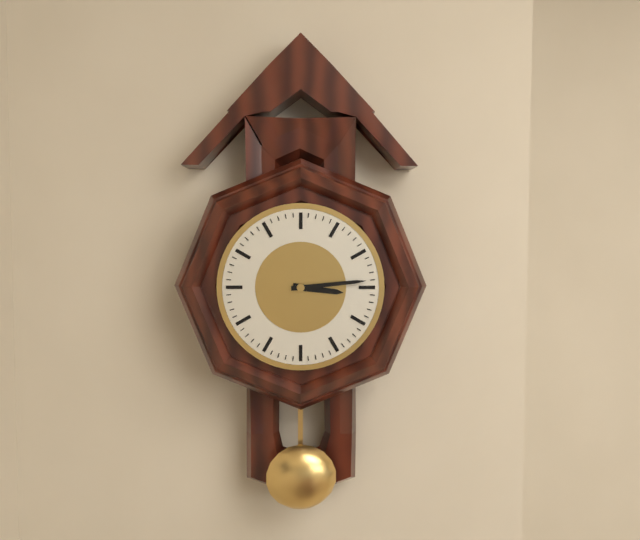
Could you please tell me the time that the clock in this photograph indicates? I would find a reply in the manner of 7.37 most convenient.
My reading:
3.14
